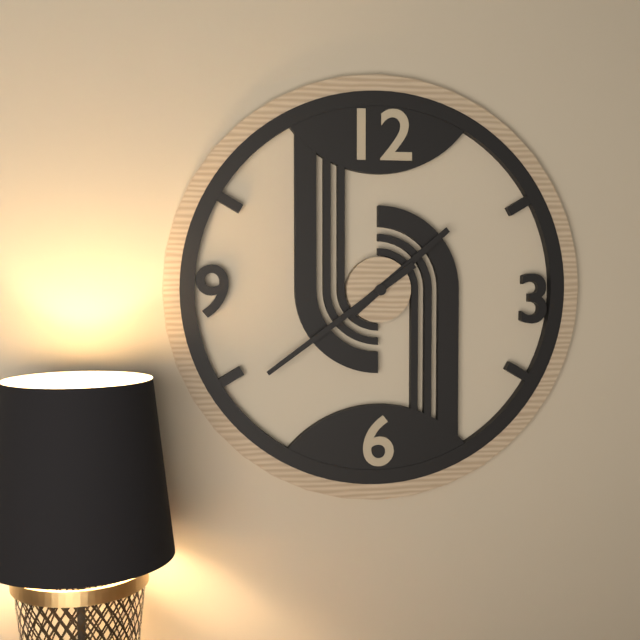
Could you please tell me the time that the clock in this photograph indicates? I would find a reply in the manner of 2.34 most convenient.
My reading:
1.39
